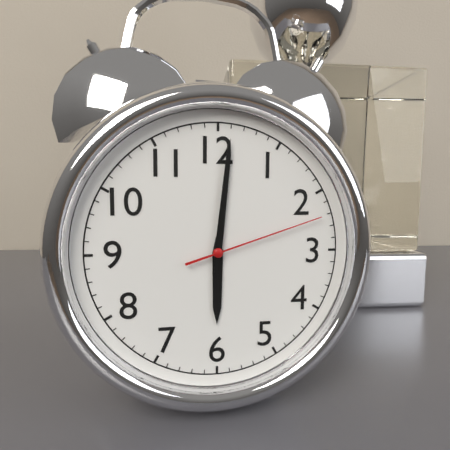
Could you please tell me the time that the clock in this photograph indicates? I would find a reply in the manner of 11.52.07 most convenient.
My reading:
6.01.12
